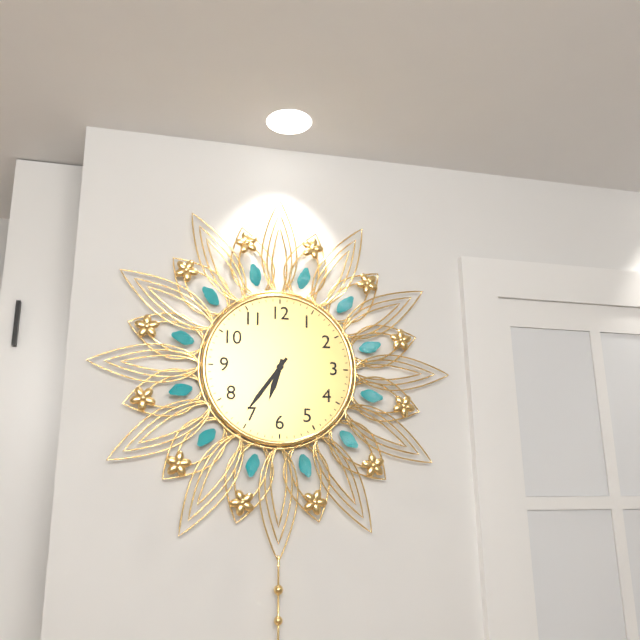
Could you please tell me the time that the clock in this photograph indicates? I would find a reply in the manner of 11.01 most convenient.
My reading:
6.36
